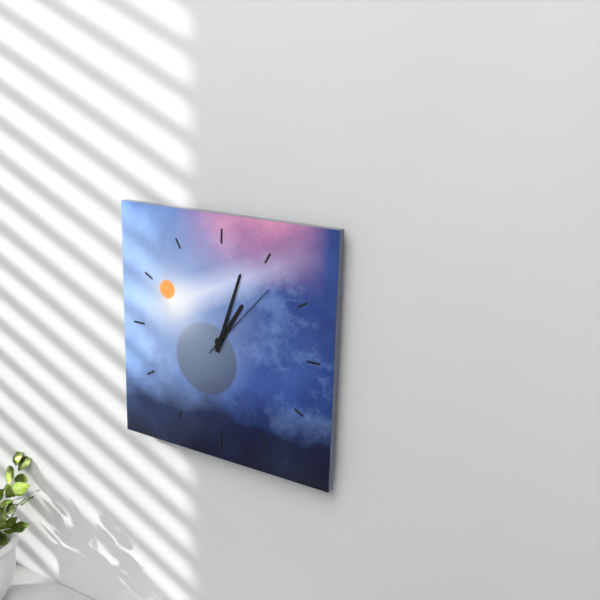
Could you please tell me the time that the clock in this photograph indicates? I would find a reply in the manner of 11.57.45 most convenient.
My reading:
1.03.07
